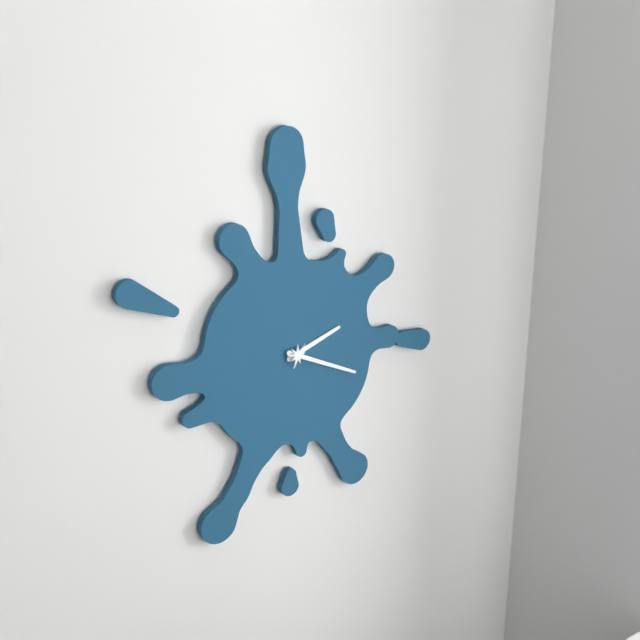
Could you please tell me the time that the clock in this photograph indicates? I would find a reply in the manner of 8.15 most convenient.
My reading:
2.19
